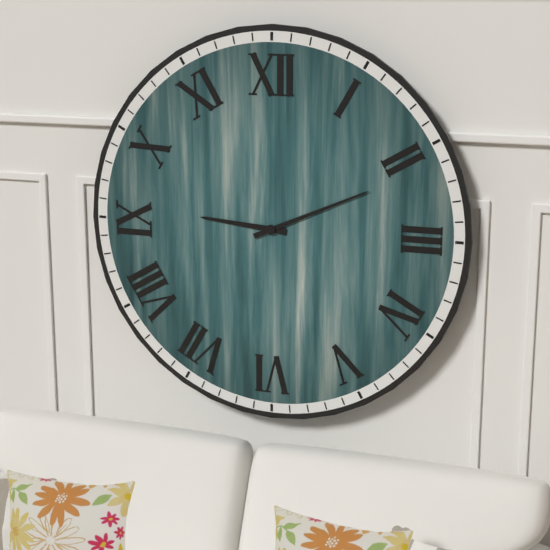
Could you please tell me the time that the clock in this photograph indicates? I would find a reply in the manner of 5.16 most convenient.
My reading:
9.11
